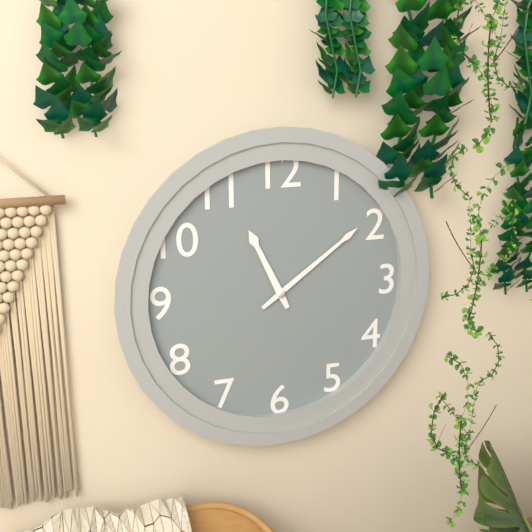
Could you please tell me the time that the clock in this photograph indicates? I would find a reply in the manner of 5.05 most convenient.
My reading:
11.09
